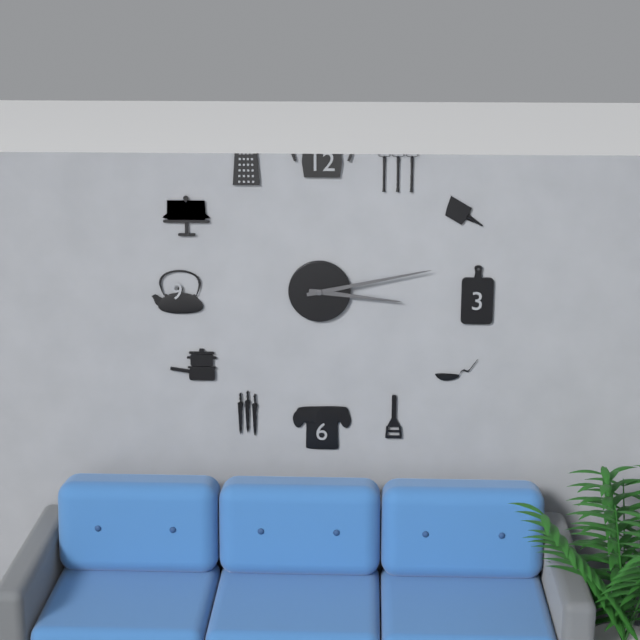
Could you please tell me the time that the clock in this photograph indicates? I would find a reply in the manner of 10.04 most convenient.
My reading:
3.13
